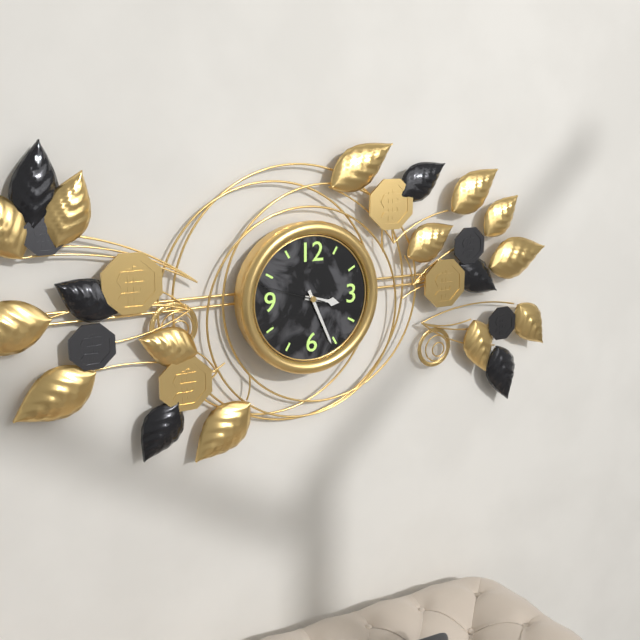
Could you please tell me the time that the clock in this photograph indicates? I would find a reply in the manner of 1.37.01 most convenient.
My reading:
3.26.48
